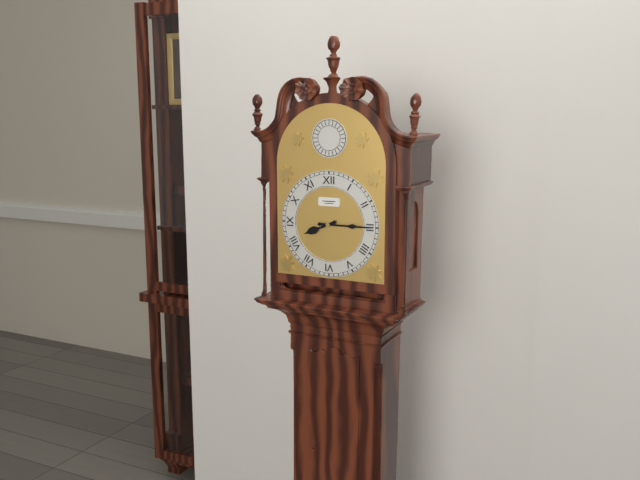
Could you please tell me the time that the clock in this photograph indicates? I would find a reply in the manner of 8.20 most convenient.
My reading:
8.15
